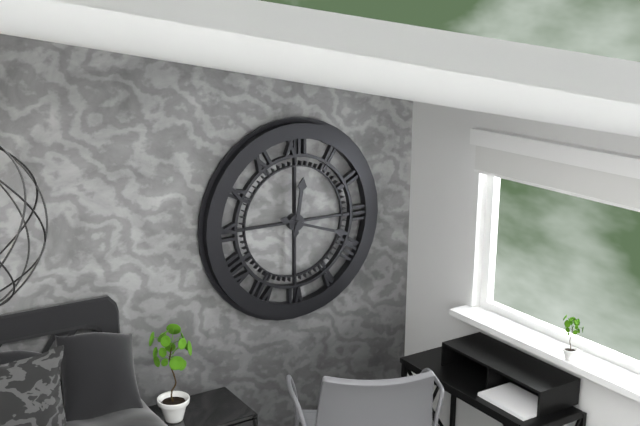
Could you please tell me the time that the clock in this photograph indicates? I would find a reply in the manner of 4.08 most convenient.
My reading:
12.18
